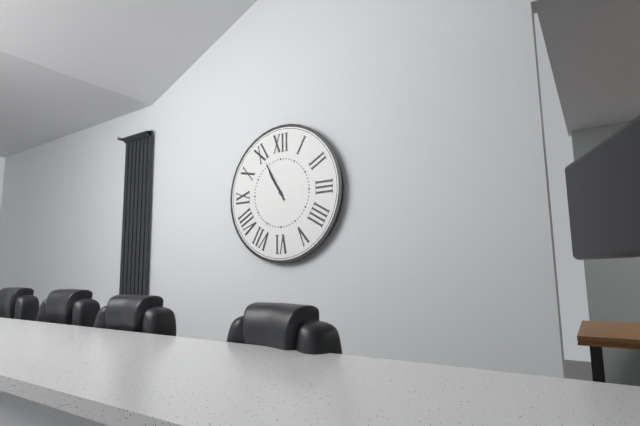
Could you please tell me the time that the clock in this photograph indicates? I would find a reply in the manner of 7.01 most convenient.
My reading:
10.55
